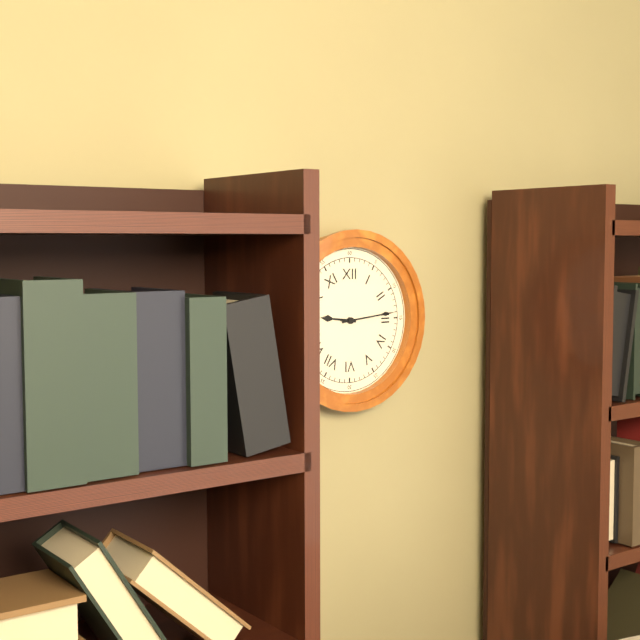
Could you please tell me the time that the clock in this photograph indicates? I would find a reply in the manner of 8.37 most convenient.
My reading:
9.14
